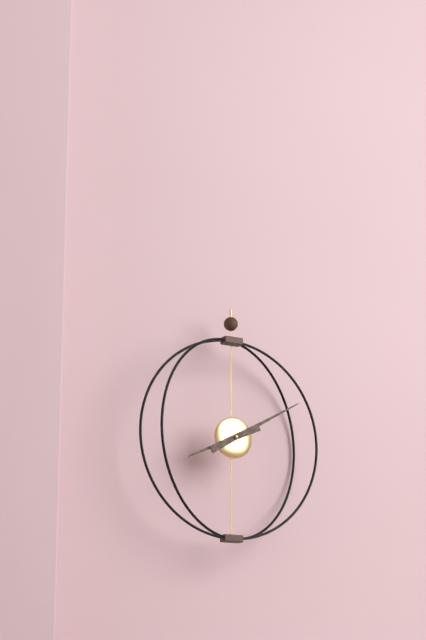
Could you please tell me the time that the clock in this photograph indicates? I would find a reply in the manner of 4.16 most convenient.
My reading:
8.10
